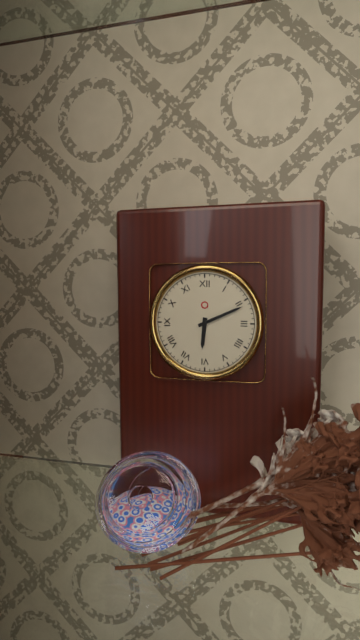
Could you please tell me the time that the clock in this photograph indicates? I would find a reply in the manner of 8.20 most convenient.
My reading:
6.11
